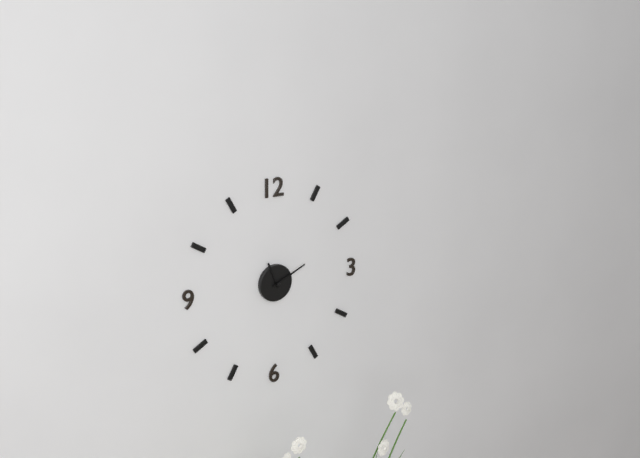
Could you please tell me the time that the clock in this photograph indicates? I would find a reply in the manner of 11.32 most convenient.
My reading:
11.11
